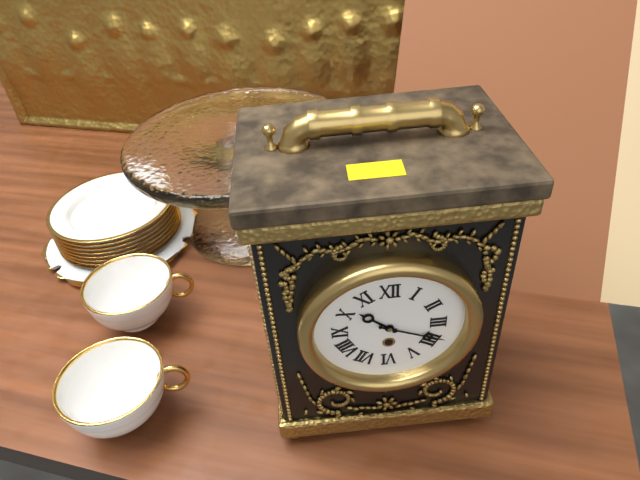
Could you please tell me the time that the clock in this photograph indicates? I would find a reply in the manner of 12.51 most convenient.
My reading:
10.19
